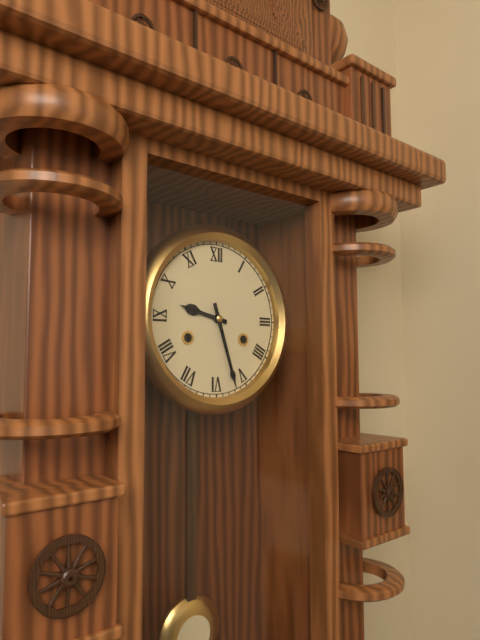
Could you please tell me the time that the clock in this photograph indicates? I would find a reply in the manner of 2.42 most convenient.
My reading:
9.27
